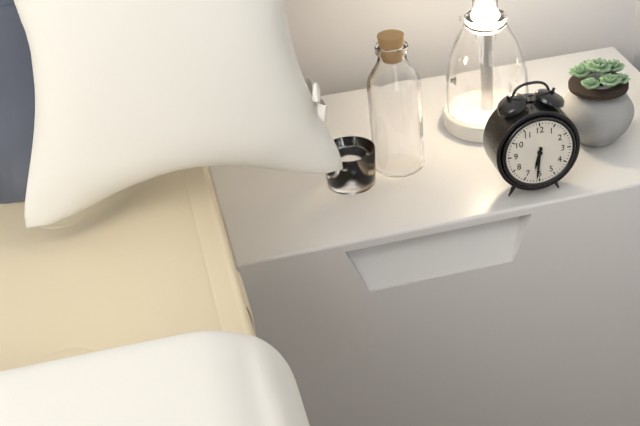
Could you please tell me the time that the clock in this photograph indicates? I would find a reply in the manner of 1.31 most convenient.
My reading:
6.31
